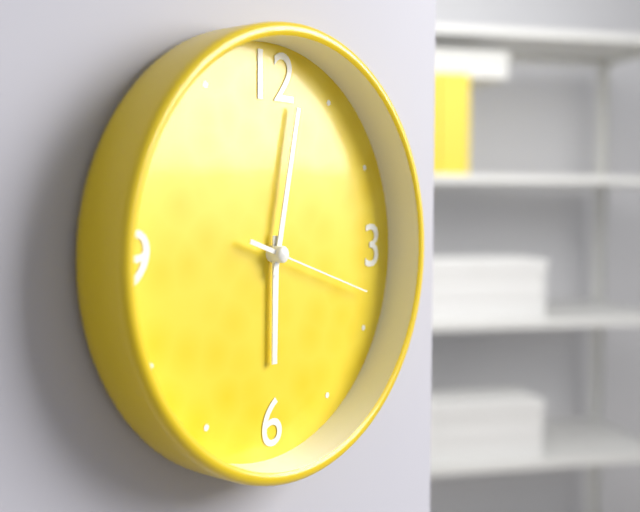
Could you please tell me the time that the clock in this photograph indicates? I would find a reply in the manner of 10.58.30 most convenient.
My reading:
6.02.18
